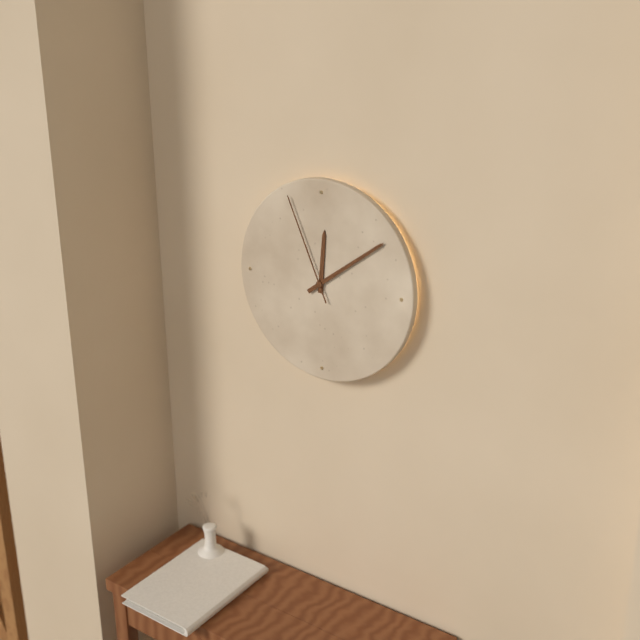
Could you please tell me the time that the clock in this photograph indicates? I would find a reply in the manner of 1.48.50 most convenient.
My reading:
12.09.56
